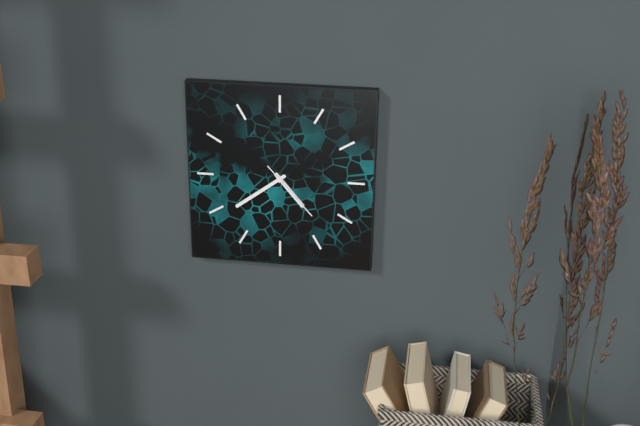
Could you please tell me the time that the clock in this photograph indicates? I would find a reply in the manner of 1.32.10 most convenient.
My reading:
4.39.23
